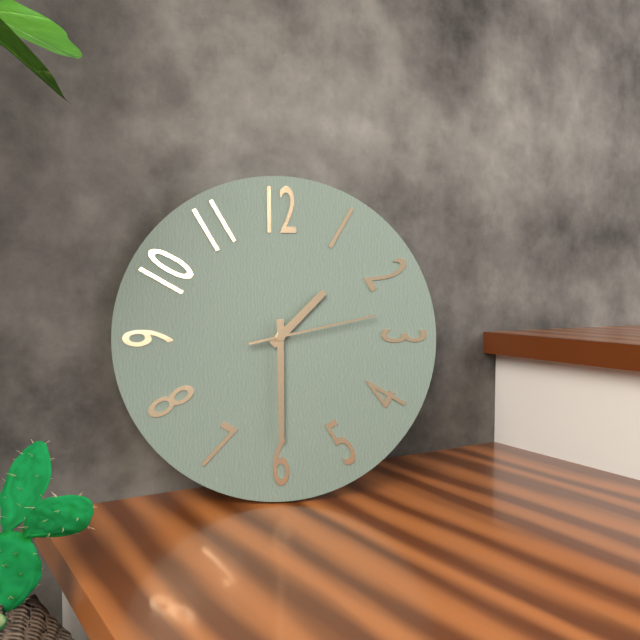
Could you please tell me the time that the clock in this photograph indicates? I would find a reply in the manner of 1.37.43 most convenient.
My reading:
1.30.13
